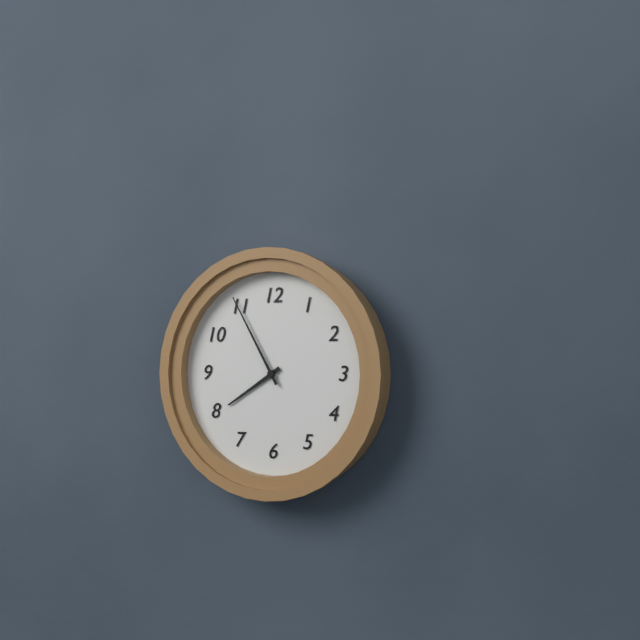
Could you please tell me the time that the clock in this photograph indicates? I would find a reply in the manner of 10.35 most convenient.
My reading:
7.55
